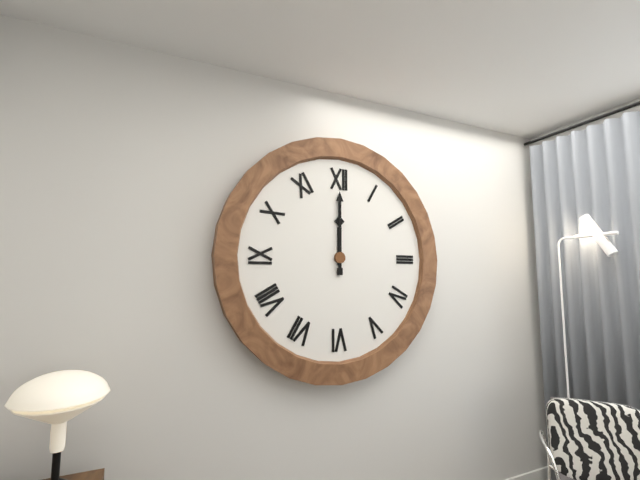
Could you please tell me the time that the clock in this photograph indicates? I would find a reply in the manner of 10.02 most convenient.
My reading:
12.00
